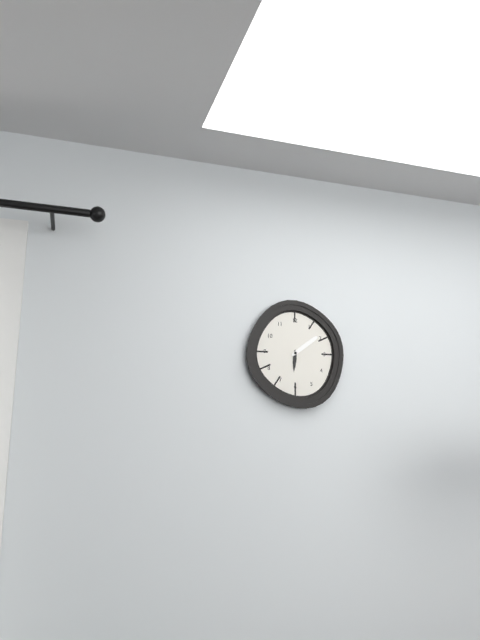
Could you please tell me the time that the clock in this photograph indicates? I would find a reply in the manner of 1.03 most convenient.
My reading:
6.09
